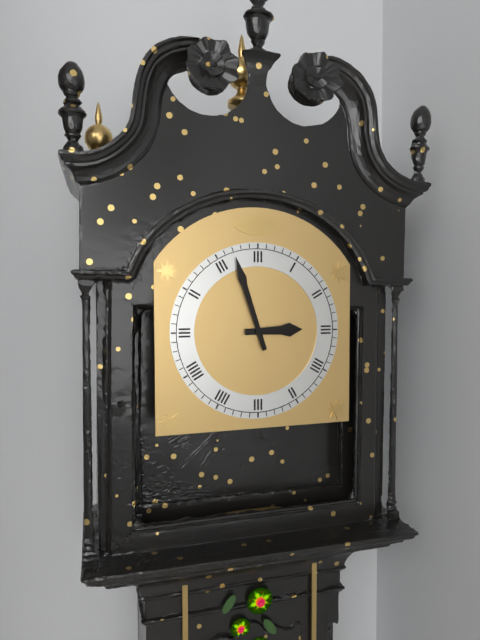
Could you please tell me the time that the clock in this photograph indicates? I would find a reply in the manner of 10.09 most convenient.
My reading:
2.57
